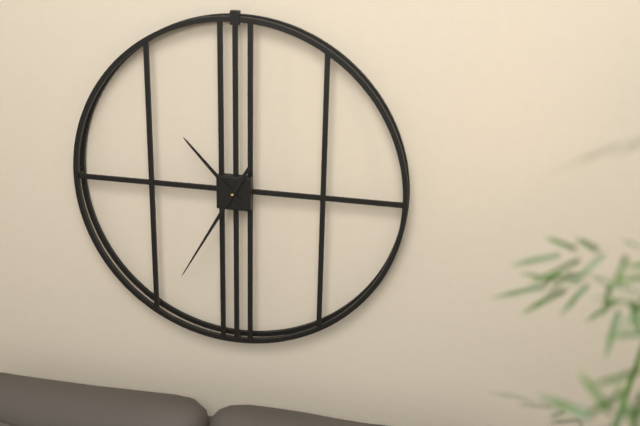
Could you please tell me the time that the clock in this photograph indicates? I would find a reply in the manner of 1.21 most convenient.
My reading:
10.35
